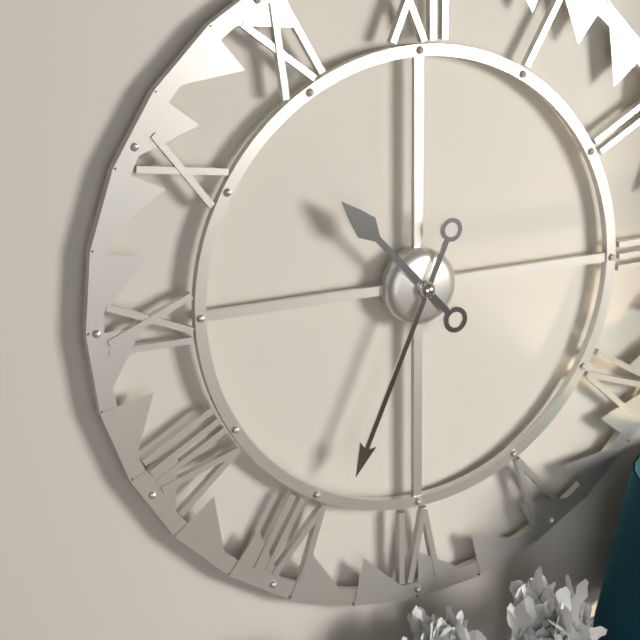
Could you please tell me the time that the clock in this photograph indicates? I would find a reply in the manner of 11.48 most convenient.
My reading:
10.34
